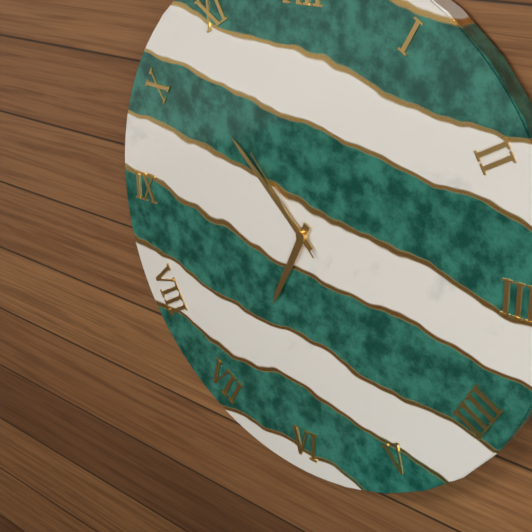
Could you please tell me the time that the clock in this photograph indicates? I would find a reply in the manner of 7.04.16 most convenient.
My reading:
6.52.53
